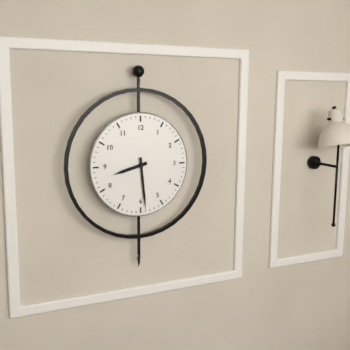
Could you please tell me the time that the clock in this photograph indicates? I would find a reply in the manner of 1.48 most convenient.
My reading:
8.29
